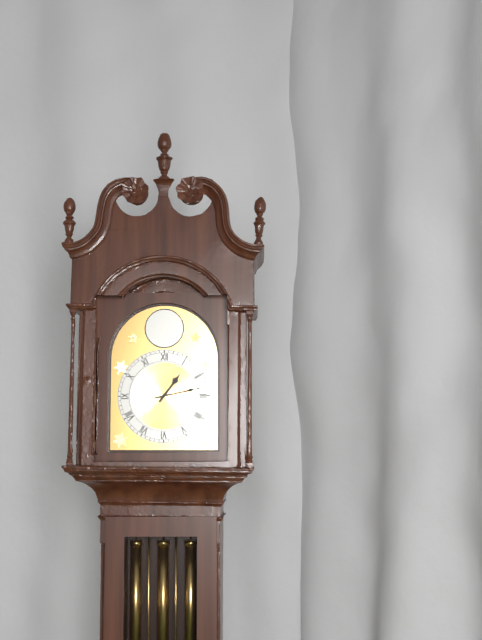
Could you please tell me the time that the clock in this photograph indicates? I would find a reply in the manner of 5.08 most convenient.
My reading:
1.13
